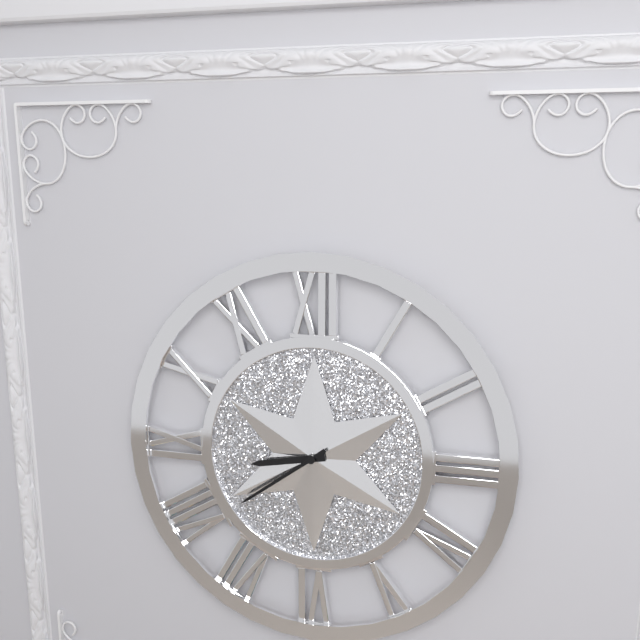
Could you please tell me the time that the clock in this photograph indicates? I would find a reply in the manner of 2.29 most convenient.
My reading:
8.39
